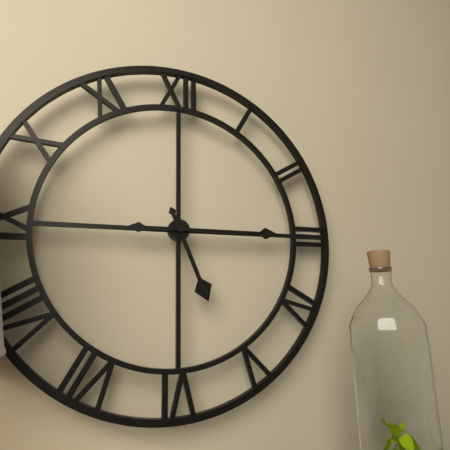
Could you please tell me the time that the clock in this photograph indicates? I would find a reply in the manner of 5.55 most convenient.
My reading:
5.15
